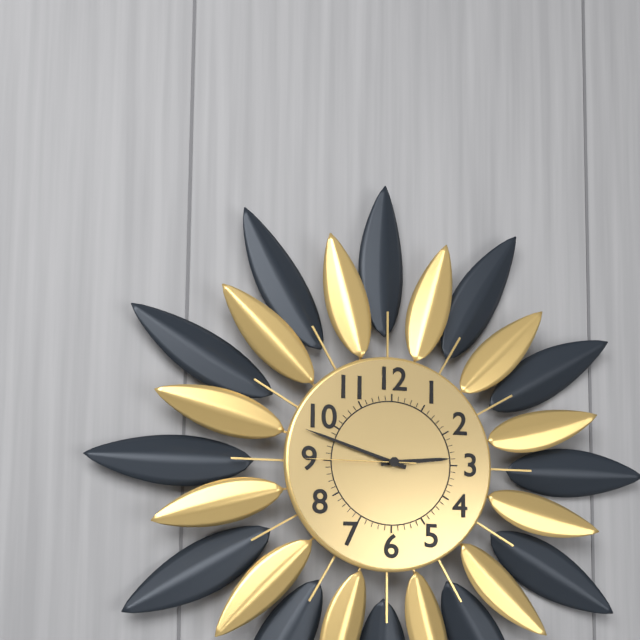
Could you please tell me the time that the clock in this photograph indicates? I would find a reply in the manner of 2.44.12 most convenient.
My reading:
2.48.45
